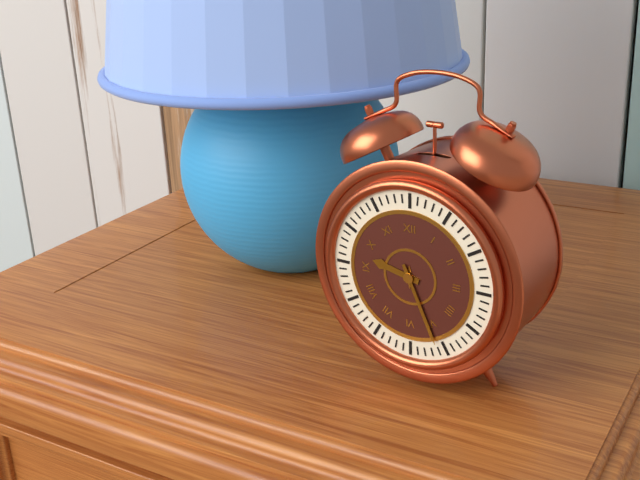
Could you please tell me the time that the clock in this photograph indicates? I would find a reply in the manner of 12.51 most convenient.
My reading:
9.26
